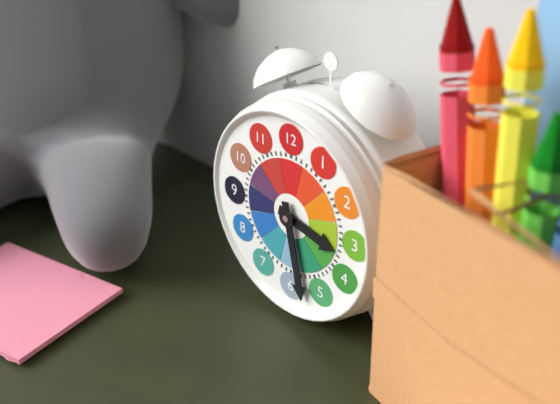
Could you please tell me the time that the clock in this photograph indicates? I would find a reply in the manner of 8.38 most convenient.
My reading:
3.28
